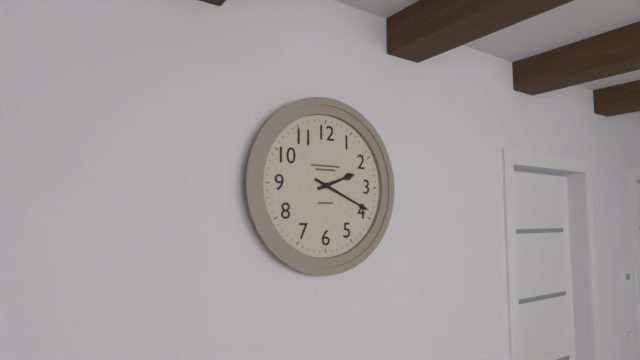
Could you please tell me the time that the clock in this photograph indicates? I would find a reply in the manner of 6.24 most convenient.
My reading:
2.19
